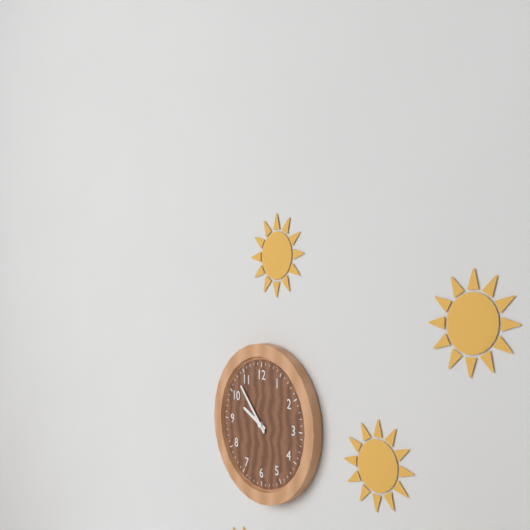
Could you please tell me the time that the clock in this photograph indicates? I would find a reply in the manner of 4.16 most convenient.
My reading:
9.53
